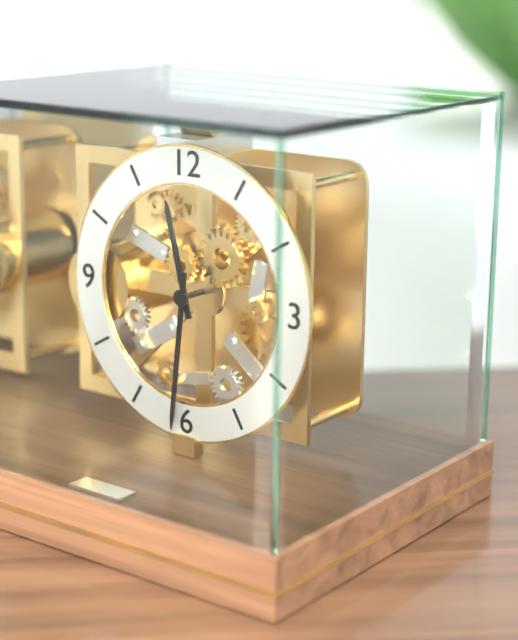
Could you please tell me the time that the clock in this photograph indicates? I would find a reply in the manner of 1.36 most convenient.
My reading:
11.31
